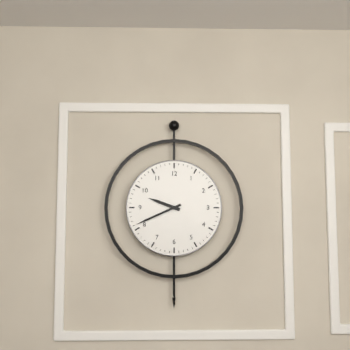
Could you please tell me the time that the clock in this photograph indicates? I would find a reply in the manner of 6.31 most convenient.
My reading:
9.41
